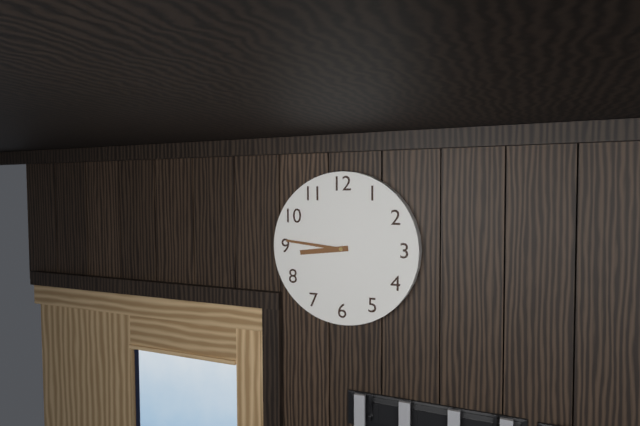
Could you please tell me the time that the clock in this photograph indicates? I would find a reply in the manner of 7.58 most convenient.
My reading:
8.46
